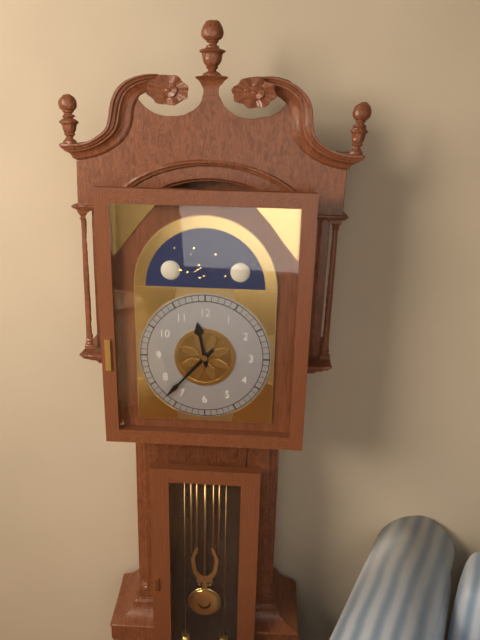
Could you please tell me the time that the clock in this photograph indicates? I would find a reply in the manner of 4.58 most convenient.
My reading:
11.37
